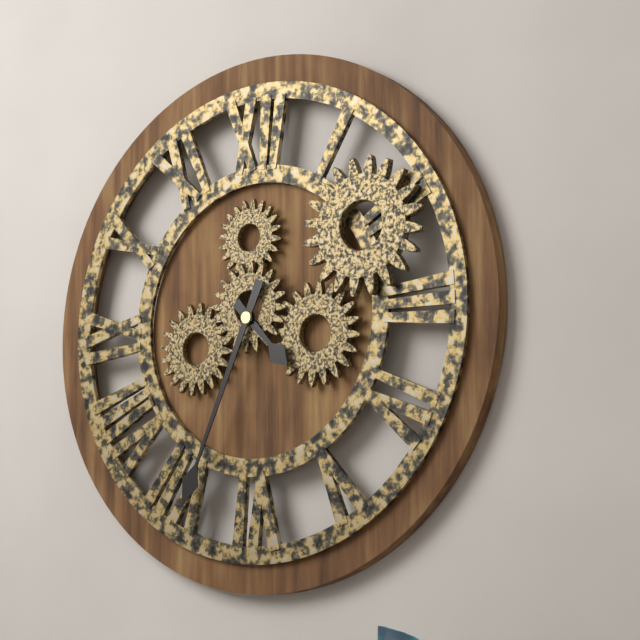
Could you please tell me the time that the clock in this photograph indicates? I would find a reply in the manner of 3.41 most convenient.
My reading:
4.34
